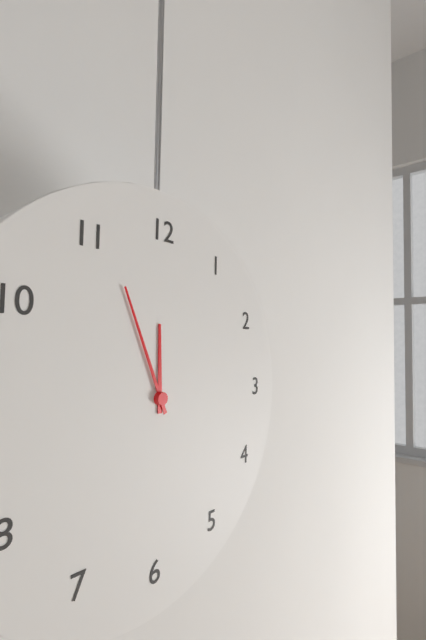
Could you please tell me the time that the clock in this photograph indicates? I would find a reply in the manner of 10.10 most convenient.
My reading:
11.56
